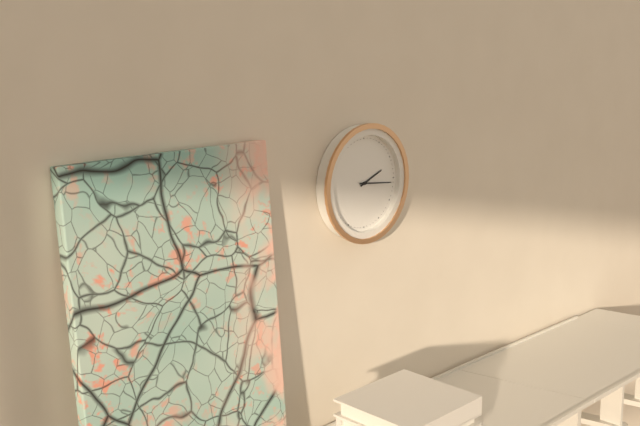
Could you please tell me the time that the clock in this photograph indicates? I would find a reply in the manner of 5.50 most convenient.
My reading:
2.16
